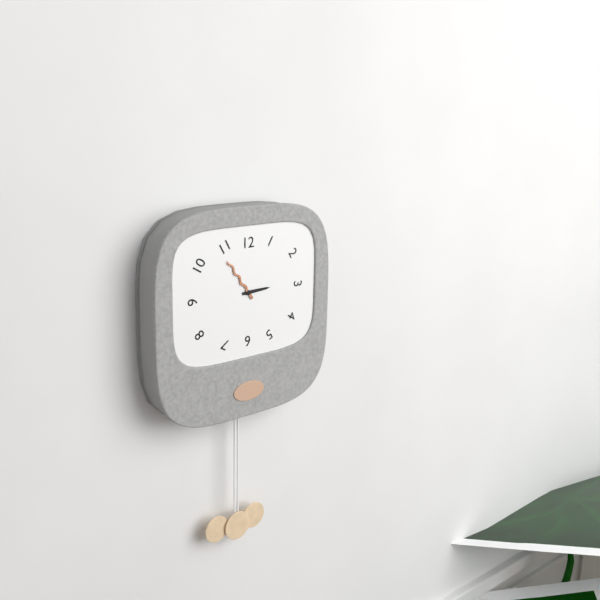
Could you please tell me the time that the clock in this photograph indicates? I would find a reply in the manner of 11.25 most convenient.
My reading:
2.54
